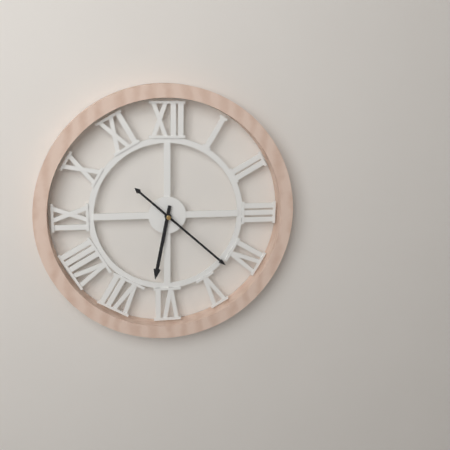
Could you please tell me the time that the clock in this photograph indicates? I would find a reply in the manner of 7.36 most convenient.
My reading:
6.22
